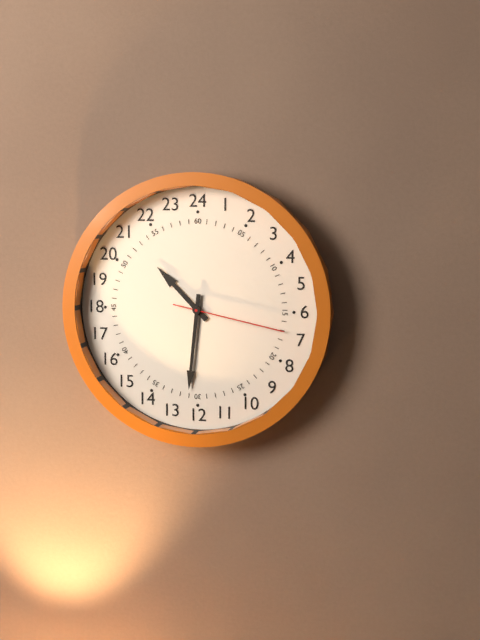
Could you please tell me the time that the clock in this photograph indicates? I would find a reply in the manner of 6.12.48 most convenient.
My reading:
10.31.17
